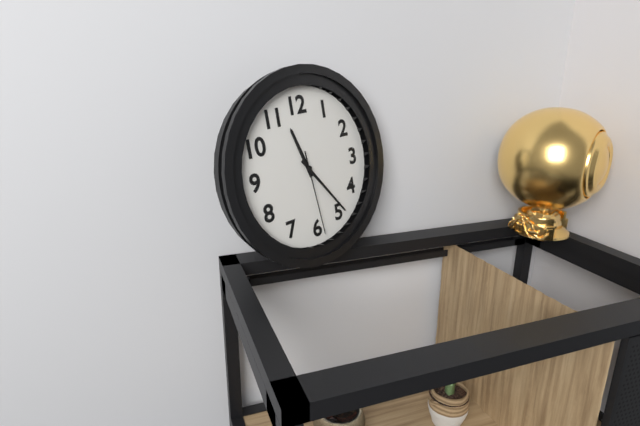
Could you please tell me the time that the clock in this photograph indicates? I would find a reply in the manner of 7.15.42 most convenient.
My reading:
11.24.29
